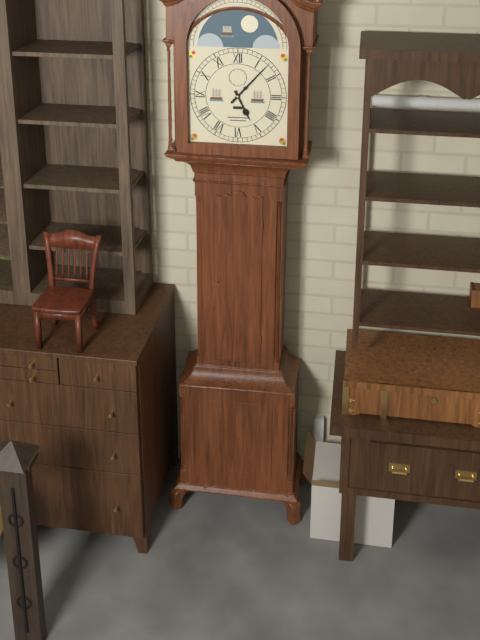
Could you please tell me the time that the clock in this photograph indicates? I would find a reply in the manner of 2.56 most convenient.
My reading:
5.07
